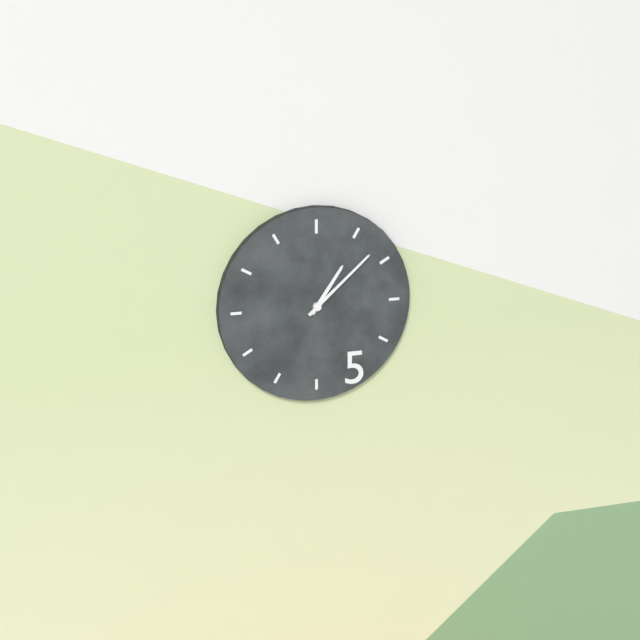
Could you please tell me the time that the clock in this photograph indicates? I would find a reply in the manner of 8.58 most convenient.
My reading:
1.08
